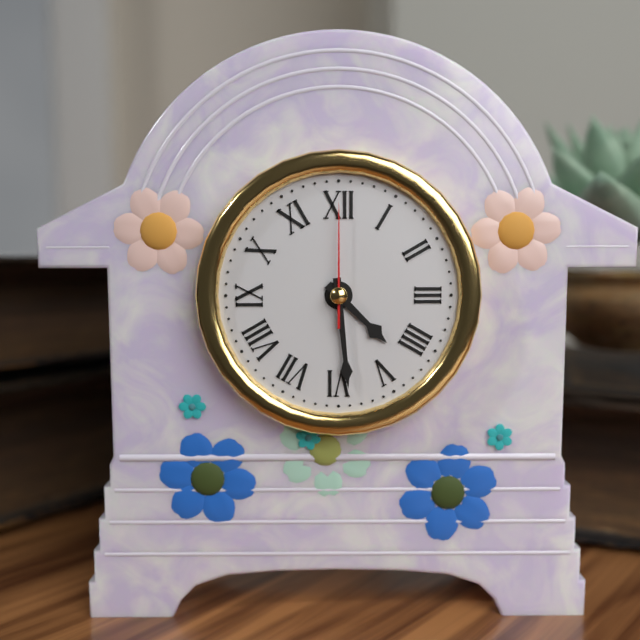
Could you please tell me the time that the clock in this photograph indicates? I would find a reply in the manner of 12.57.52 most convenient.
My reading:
4.29.00
